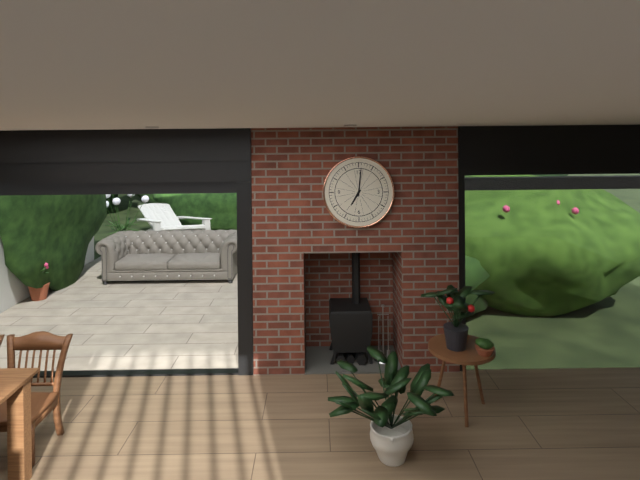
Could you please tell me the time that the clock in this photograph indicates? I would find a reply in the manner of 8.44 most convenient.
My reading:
7.01
